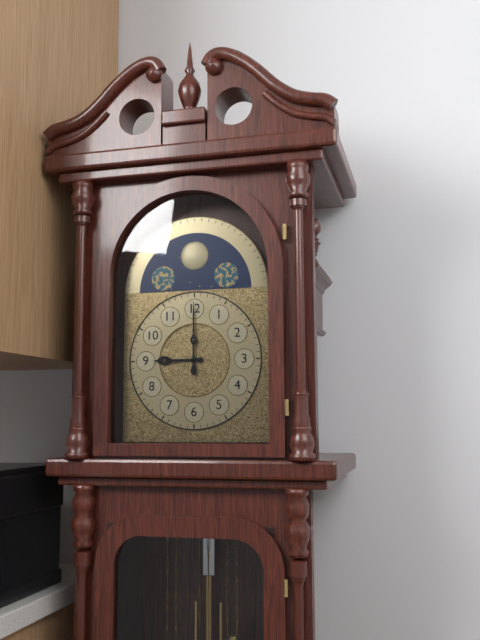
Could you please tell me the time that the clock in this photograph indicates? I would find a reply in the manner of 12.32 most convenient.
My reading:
9.00
